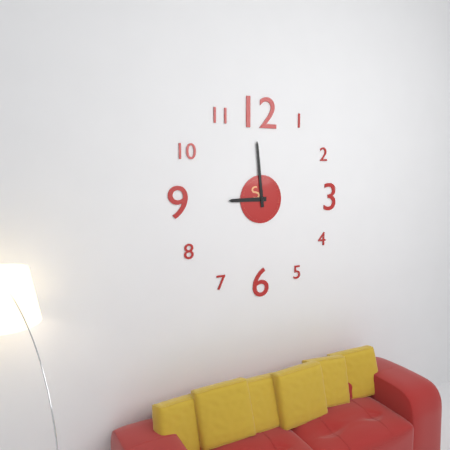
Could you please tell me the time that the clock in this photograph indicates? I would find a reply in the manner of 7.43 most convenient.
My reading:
8.59
